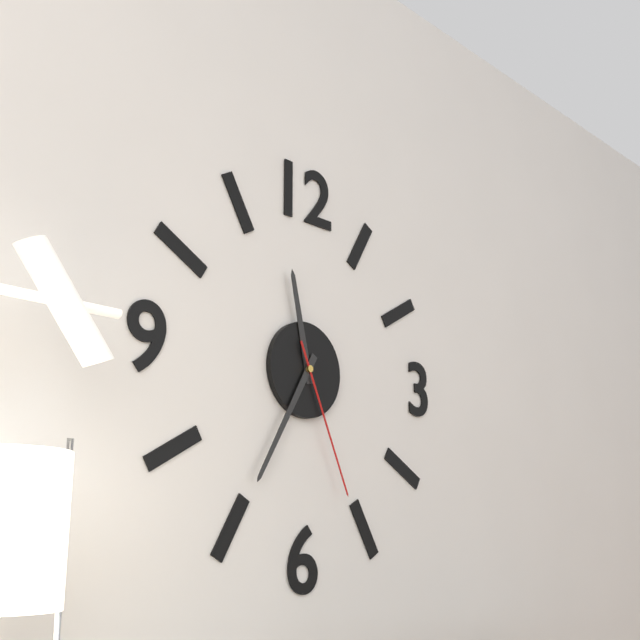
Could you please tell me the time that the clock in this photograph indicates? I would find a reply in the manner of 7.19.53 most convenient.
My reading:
11.35.26
